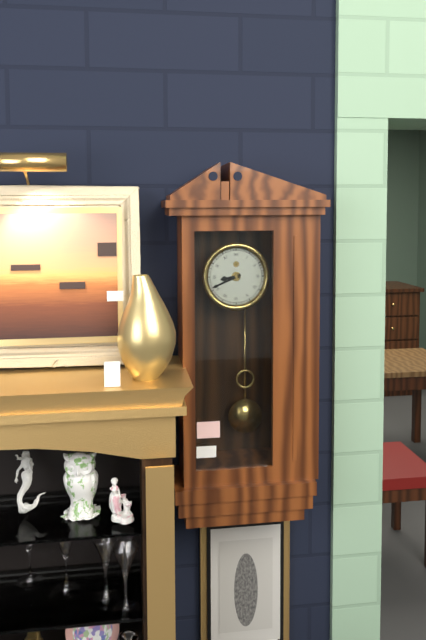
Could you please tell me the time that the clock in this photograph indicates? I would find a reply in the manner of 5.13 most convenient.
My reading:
8.41
